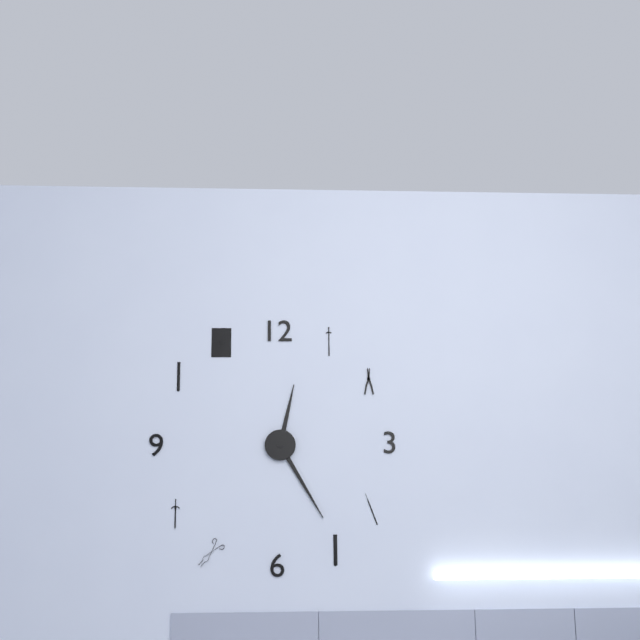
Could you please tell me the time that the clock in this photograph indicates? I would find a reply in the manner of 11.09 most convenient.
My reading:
12.25
